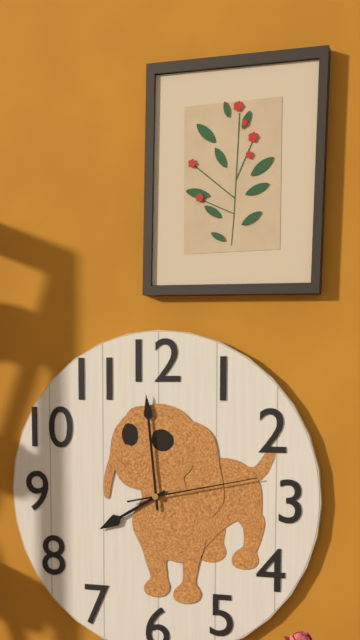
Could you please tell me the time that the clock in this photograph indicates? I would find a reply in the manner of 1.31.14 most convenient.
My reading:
7.59.13
